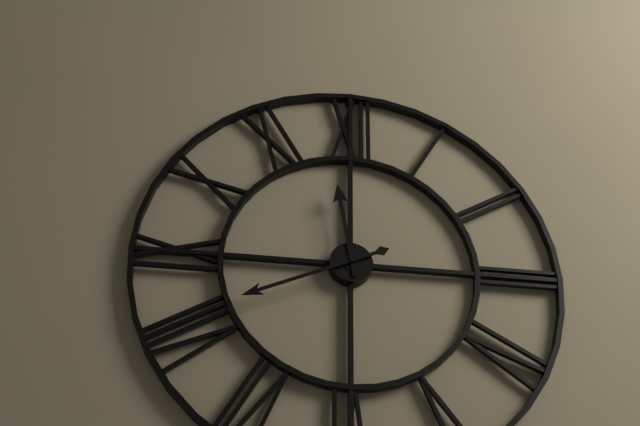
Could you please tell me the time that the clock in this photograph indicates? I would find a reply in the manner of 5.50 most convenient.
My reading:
11.41
